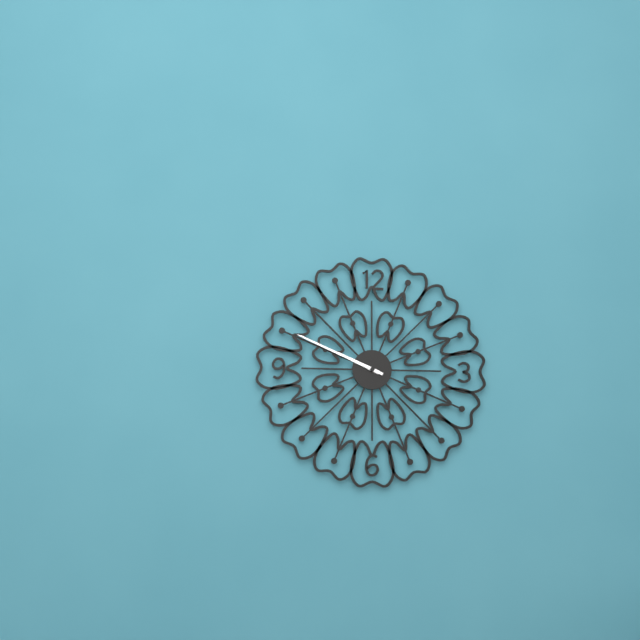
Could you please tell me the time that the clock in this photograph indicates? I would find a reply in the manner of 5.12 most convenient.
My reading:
9.49
